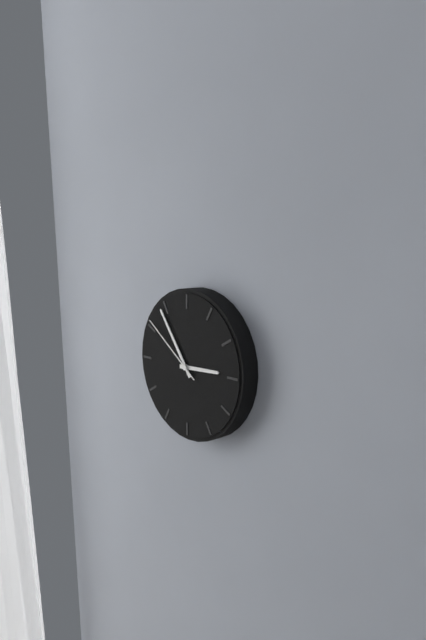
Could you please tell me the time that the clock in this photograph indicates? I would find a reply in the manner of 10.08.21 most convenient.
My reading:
2.54.51
